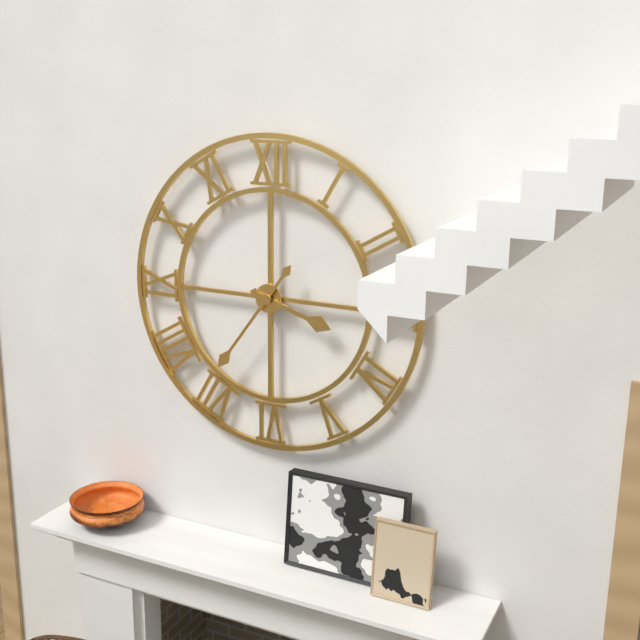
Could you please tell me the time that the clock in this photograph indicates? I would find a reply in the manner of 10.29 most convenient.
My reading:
3.36
